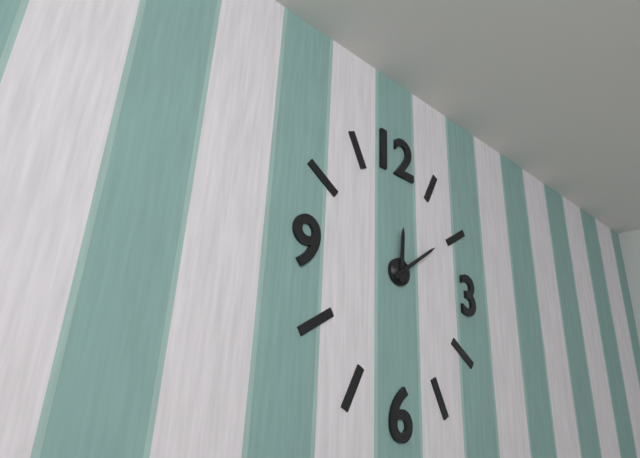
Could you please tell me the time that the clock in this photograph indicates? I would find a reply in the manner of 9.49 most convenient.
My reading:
12.09
